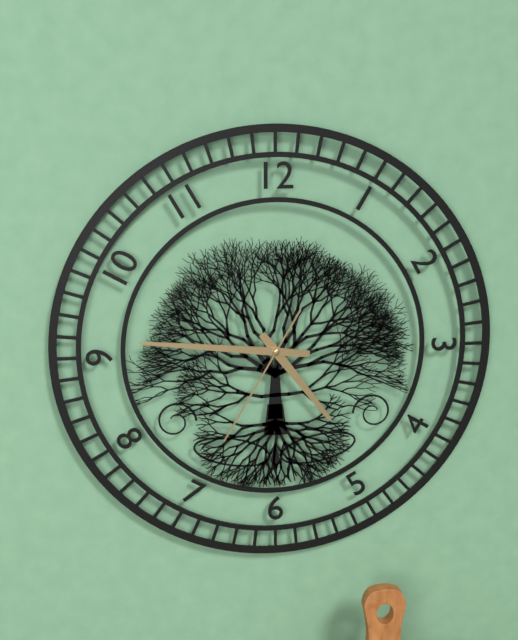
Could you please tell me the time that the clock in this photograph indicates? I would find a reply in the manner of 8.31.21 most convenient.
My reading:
4.46.35
